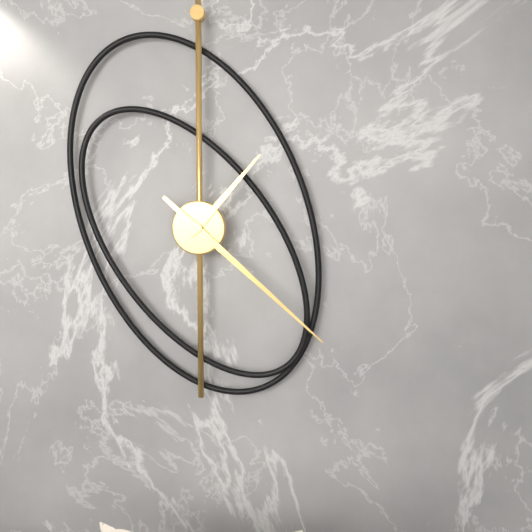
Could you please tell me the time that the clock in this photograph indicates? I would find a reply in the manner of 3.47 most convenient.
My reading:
1.22
